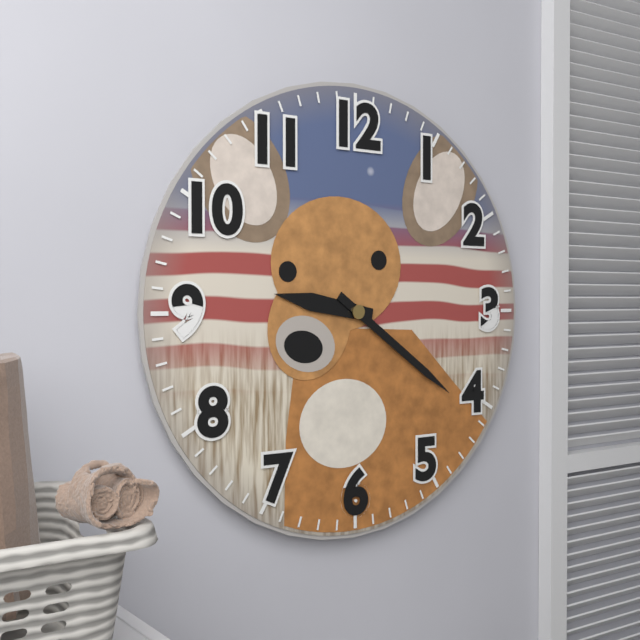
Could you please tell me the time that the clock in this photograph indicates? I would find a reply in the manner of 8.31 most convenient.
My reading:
9.21
